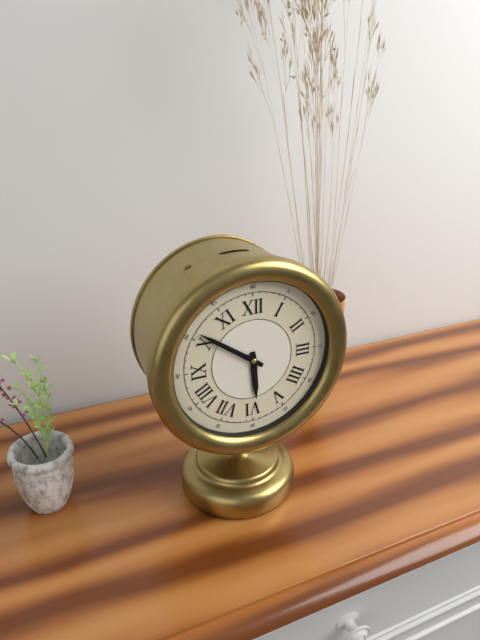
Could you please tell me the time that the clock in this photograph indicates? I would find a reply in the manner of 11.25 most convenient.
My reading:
5.51
